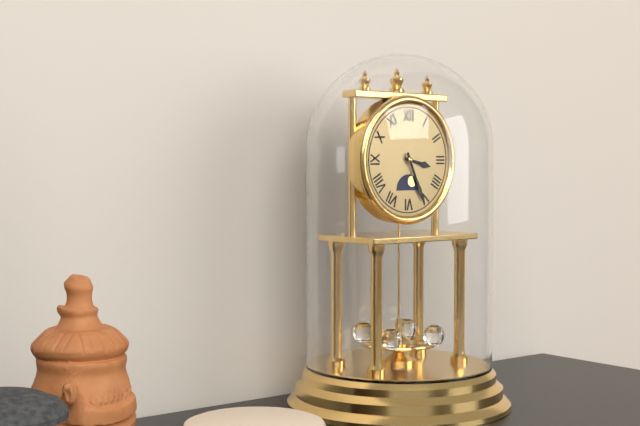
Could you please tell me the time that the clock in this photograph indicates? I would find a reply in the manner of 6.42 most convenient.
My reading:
3.26
